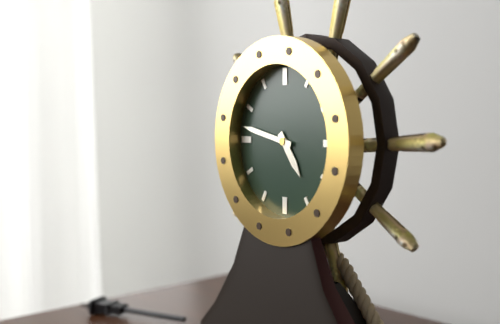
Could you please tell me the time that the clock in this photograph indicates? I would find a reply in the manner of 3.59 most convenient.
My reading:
4.47
